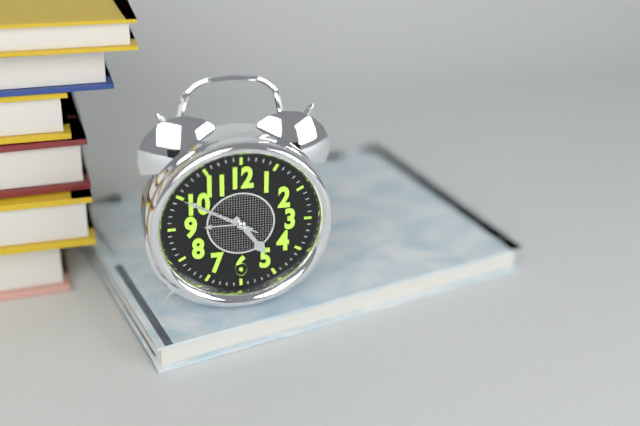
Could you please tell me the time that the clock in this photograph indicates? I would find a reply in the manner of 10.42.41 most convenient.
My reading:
4.50.50
